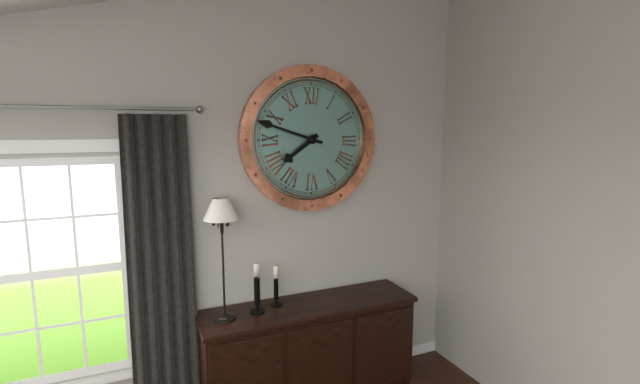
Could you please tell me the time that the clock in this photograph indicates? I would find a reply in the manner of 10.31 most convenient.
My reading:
7.48
